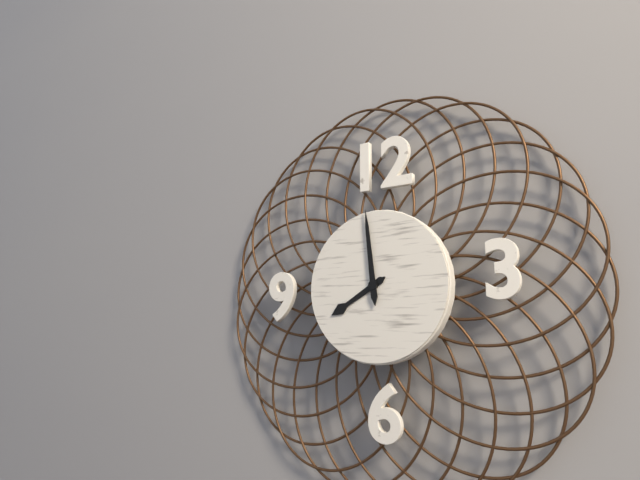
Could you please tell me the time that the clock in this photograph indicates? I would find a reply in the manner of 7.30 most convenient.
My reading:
7.59
